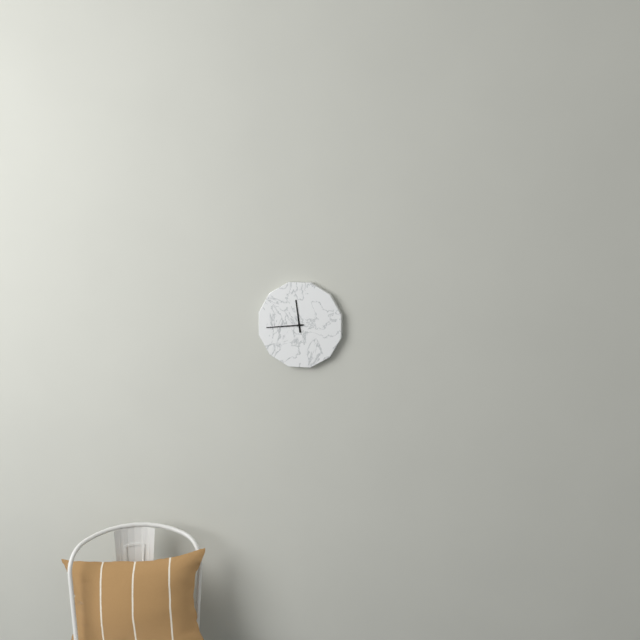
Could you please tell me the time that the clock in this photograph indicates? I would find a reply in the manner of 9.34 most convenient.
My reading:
11.44
